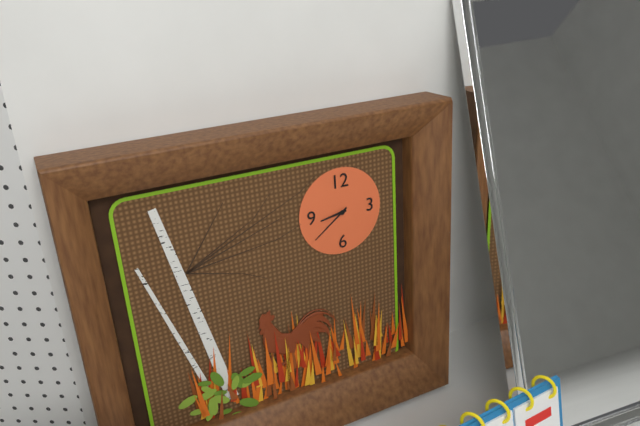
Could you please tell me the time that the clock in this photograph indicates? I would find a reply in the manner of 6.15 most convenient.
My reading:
8.39
